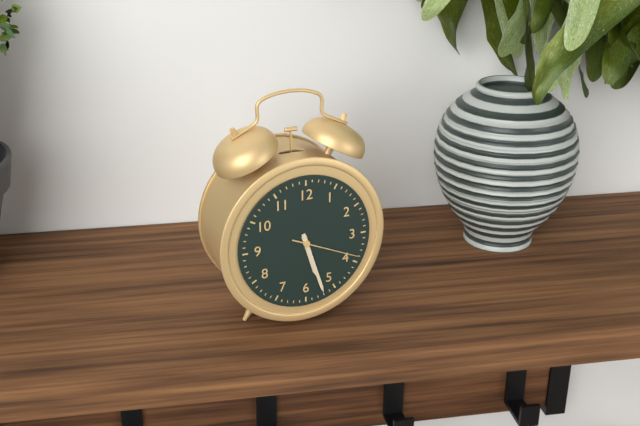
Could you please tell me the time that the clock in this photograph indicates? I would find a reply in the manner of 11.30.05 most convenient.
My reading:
5.27.19
